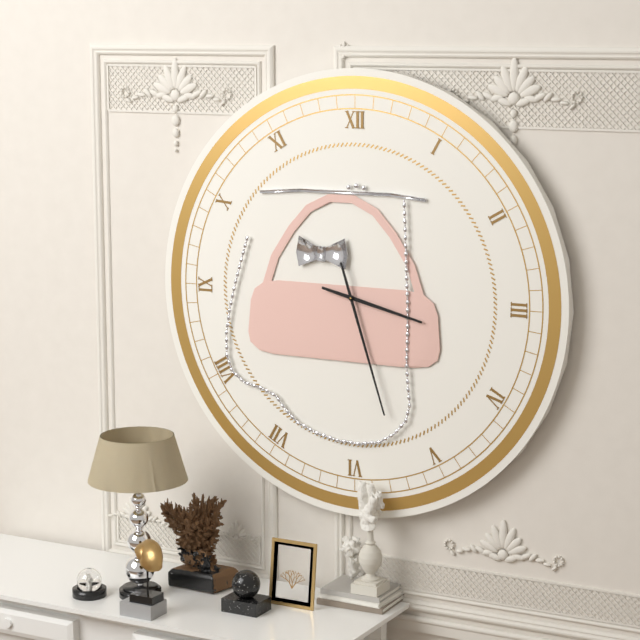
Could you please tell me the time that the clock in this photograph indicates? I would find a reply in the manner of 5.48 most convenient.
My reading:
3.27
